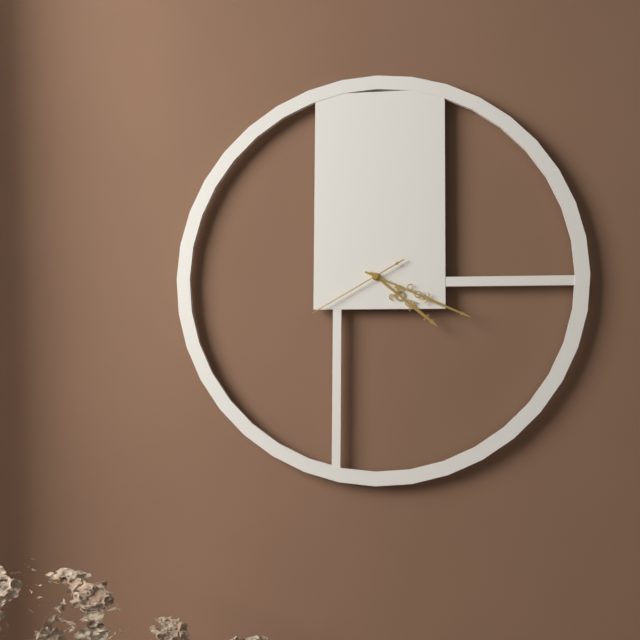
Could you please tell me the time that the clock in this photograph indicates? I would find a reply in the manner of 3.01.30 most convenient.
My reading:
4.19.40
